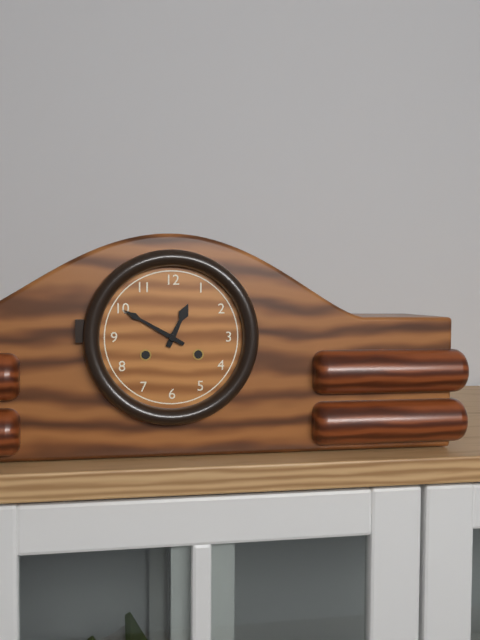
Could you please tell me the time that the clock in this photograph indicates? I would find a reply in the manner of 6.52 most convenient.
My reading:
12.50
